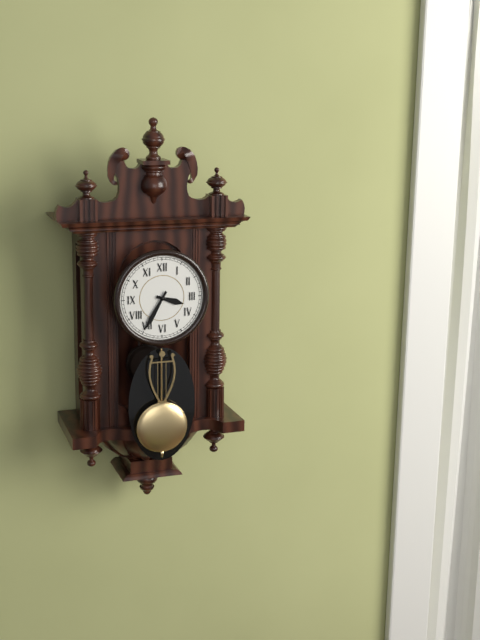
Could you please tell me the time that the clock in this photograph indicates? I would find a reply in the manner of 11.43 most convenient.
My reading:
3.35
